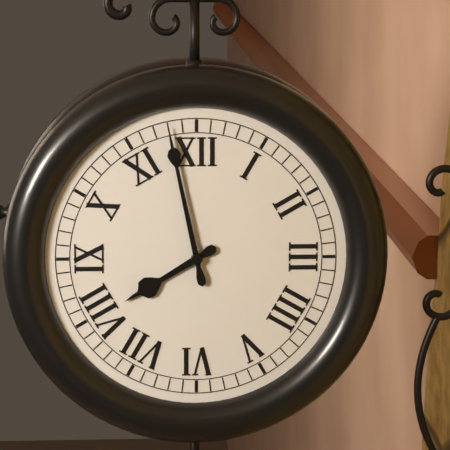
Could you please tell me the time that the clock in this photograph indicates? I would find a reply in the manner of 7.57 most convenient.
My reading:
7.58
